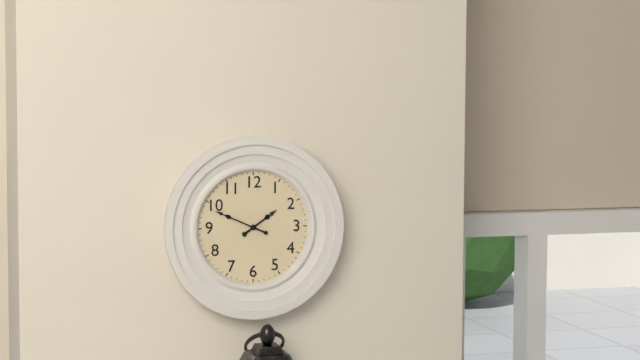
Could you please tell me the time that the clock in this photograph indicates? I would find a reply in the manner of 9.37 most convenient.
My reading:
1.49
